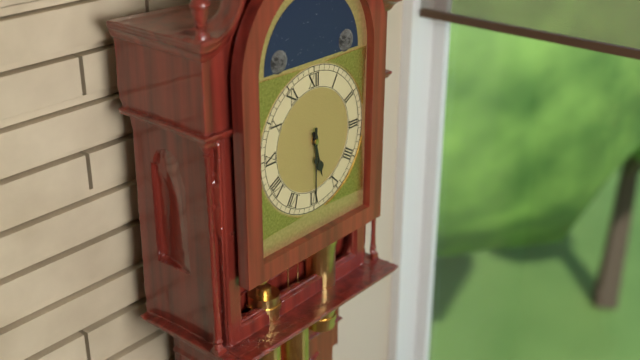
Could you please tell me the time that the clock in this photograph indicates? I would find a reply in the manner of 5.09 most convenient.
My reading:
5.30
